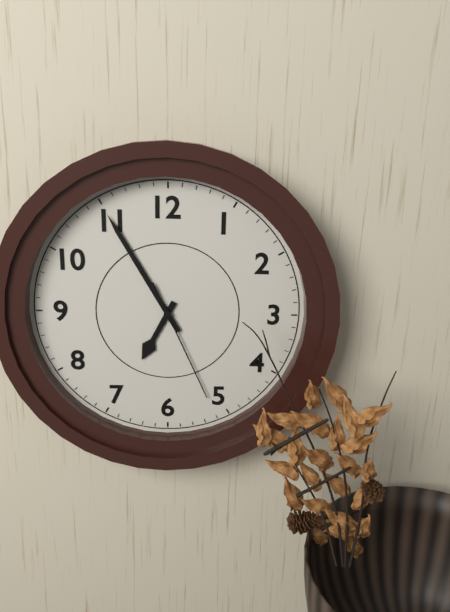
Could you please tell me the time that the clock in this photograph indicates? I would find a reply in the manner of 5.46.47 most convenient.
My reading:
6.55.26
